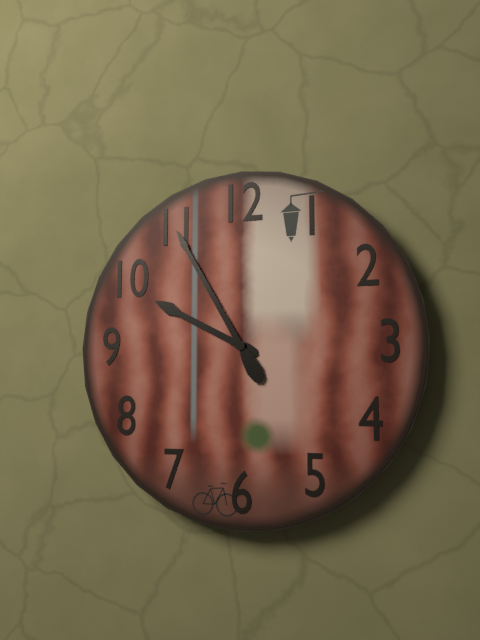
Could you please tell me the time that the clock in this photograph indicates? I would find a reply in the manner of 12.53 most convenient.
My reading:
9.55
